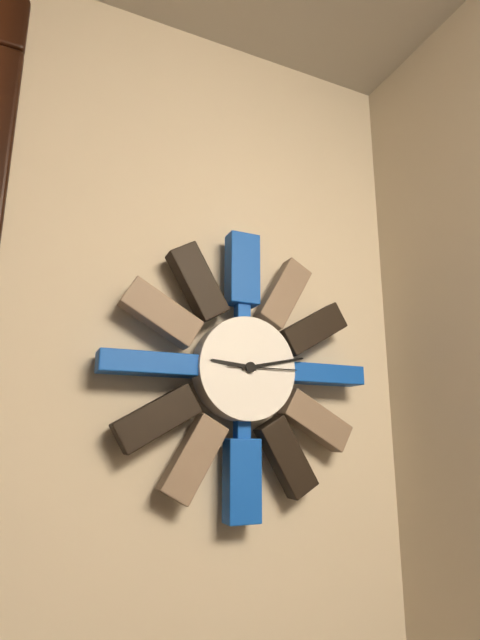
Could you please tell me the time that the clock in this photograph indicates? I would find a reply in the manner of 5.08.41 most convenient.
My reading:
9.13.15
